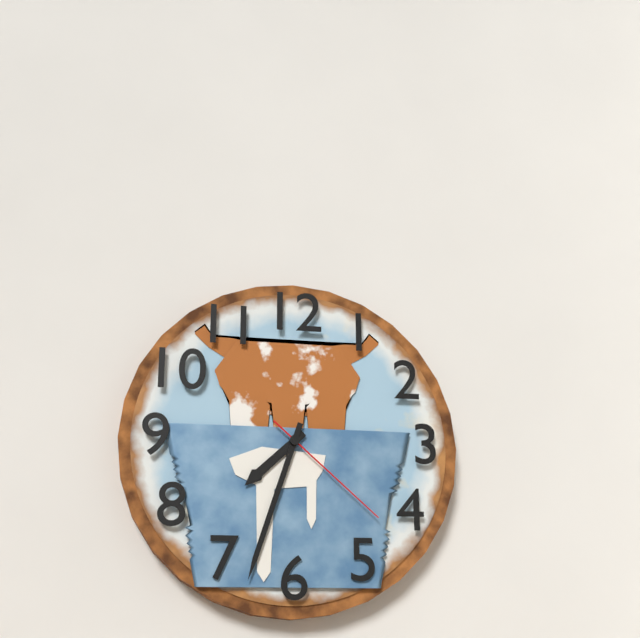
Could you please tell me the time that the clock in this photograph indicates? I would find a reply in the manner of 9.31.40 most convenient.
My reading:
7.33.22
